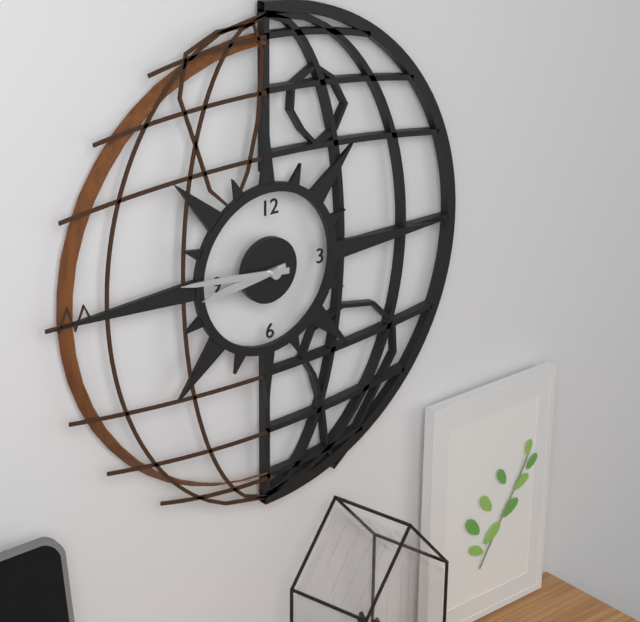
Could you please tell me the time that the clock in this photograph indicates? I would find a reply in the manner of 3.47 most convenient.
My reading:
8.46
